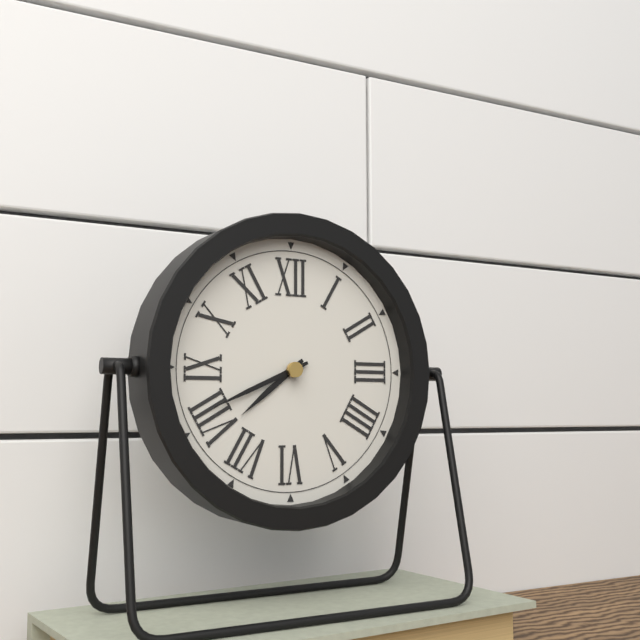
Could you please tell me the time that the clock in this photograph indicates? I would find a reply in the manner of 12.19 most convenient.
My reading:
7.41
